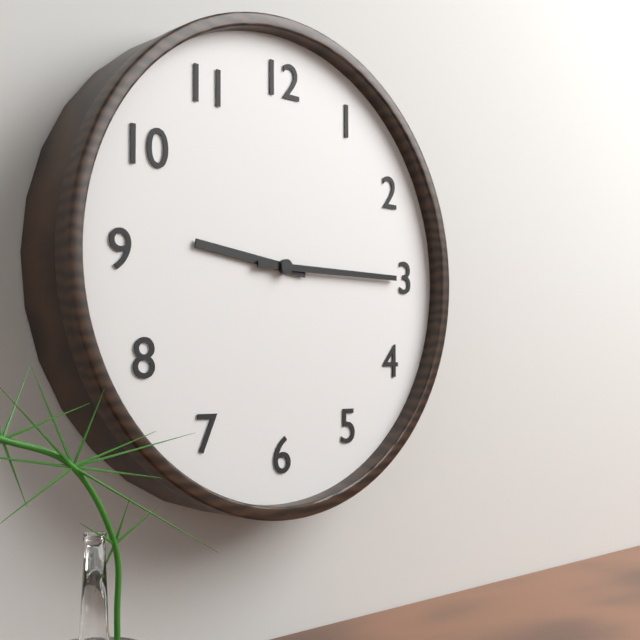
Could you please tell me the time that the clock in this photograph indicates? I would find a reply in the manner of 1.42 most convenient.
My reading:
9.15
